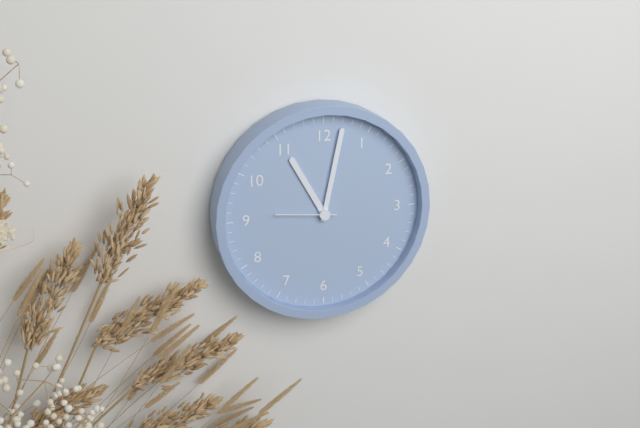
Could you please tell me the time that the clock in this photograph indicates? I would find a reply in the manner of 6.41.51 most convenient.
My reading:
11.02.46
